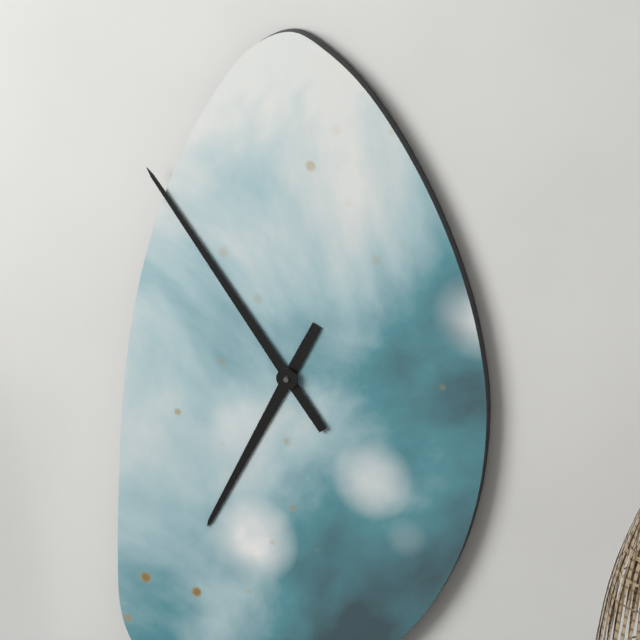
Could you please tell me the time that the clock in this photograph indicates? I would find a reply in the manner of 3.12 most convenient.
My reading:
6.54
